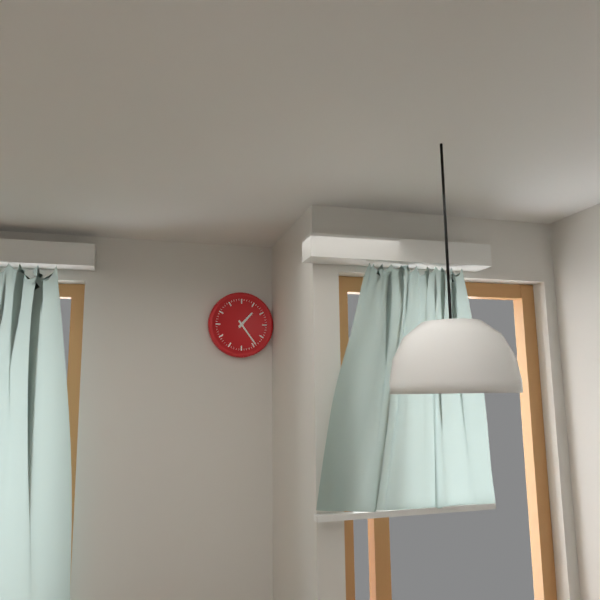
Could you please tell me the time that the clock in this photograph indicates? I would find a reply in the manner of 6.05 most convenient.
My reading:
1.24
